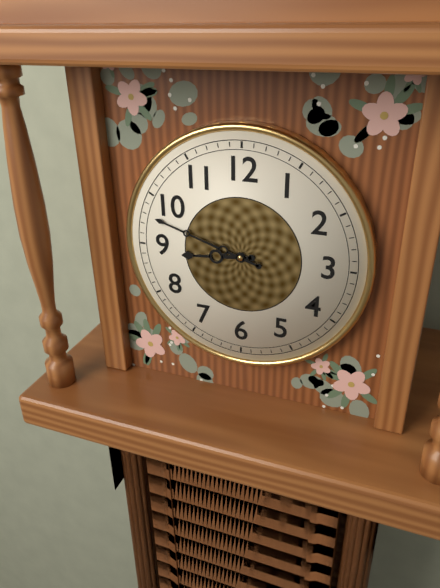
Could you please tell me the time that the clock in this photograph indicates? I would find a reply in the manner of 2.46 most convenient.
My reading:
8.48
